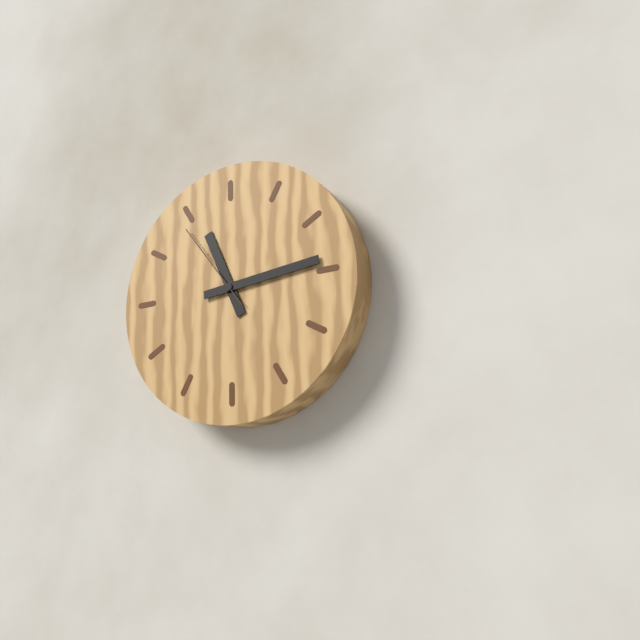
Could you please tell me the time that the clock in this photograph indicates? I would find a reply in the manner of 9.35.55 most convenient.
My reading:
11.14.54
